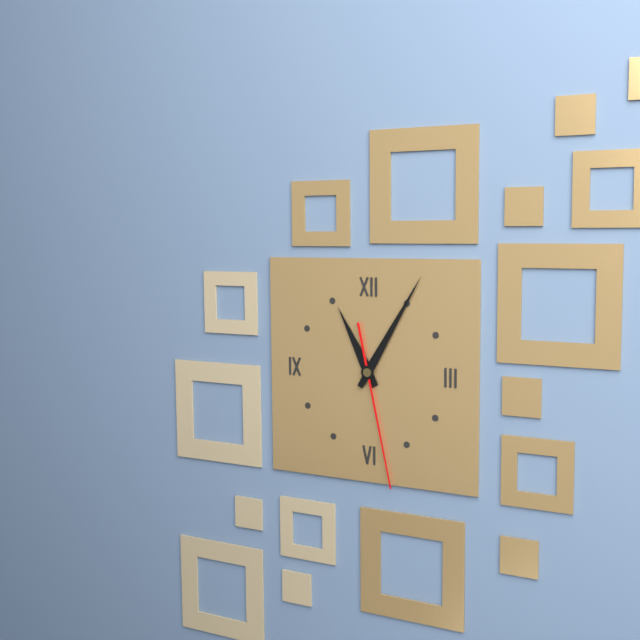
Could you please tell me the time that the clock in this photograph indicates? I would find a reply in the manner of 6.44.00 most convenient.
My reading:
11.05.28
